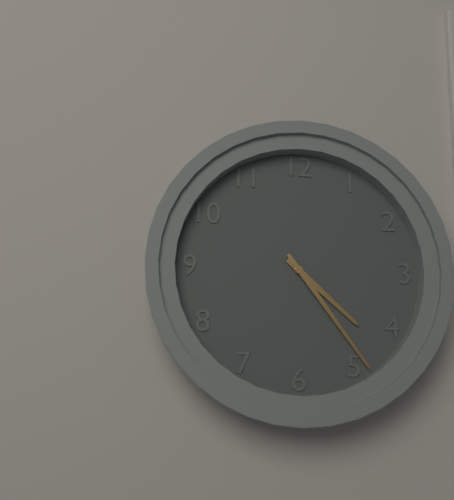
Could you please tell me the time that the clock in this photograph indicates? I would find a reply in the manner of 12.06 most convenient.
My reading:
4.24
